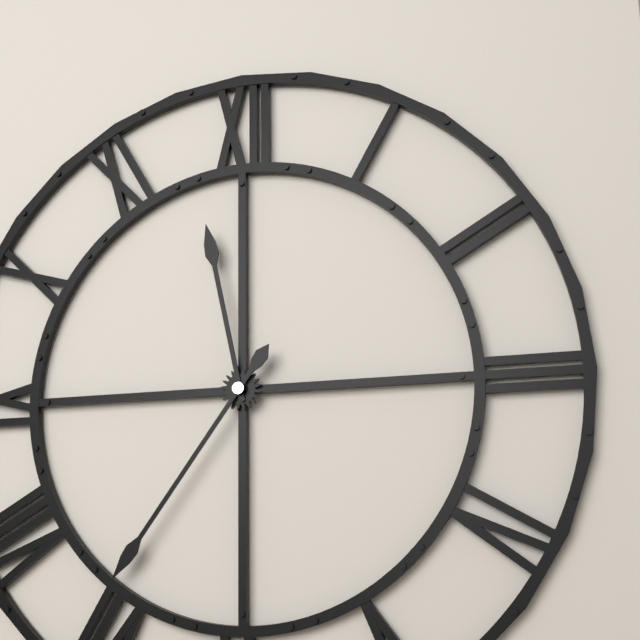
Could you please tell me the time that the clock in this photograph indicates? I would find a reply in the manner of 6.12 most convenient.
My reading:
11.36
